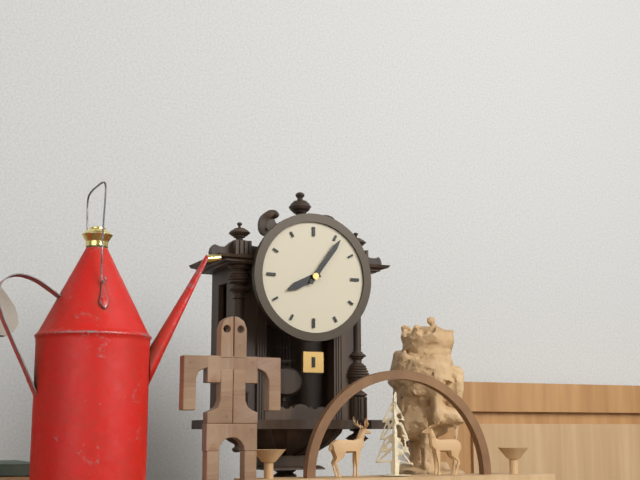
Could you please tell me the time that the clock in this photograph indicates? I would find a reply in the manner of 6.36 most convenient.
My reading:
8.06
